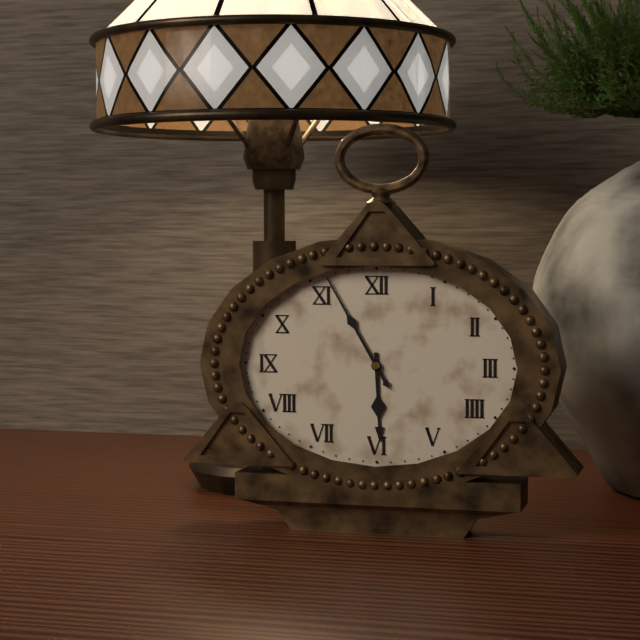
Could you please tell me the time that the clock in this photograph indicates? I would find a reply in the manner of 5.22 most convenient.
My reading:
5.55
